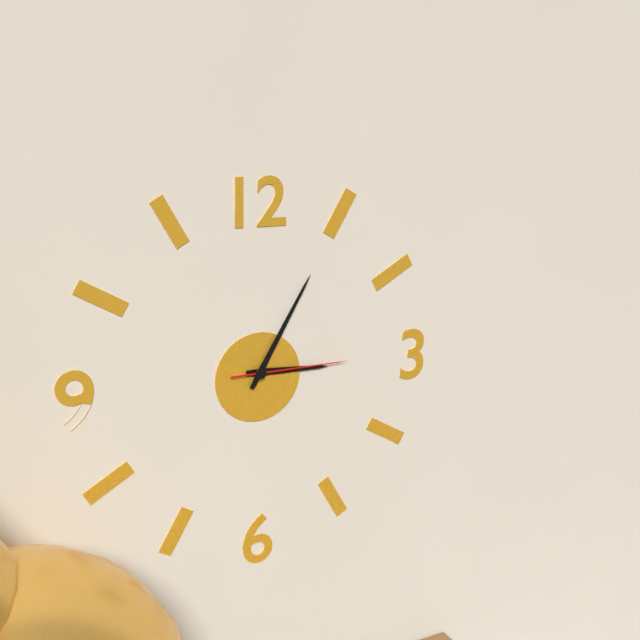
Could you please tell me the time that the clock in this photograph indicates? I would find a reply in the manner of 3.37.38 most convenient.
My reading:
3.05.15
